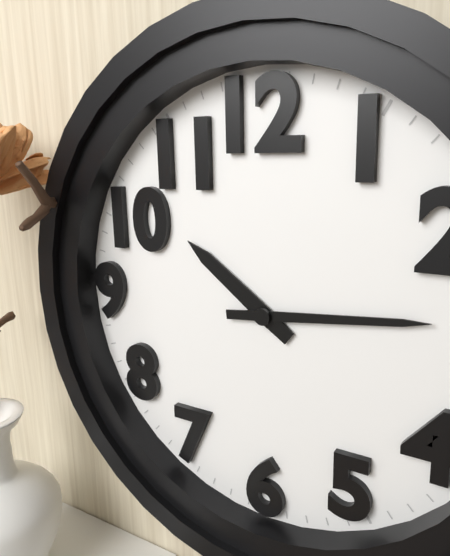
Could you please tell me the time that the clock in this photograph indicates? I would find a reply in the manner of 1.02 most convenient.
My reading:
10.14
